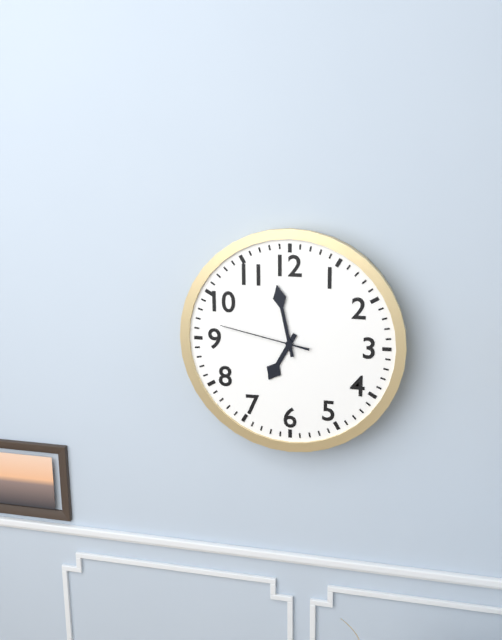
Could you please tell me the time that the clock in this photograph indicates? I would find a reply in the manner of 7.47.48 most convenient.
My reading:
6.58.47
